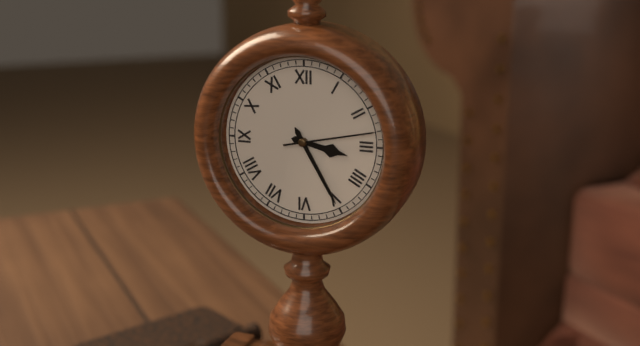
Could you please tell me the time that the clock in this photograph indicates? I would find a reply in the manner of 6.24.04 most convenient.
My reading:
3.25.13
